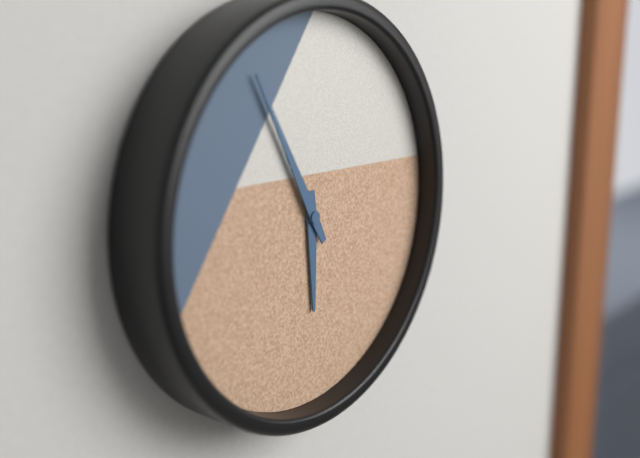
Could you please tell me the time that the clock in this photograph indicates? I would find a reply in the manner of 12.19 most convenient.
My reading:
5.55
